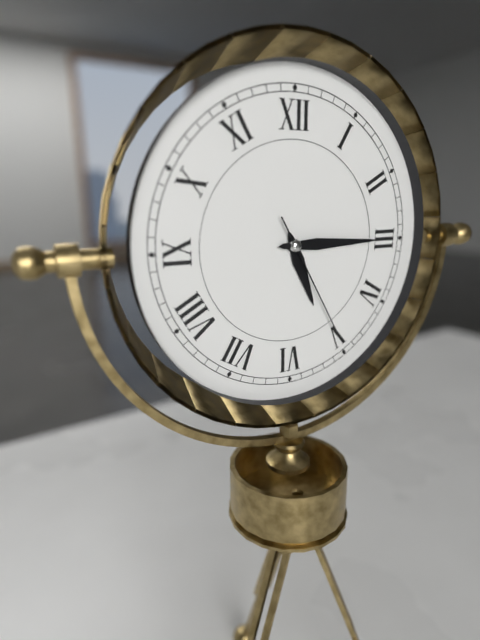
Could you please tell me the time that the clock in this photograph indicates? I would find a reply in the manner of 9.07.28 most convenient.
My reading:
5.15.25
